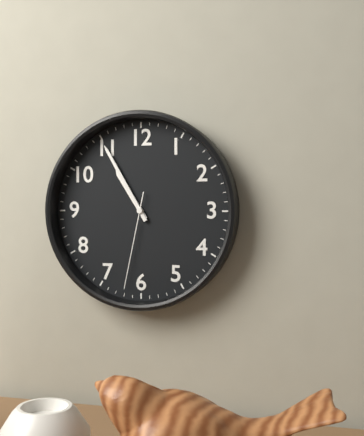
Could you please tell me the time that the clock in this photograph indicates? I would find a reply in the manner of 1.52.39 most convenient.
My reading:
10.55.32
